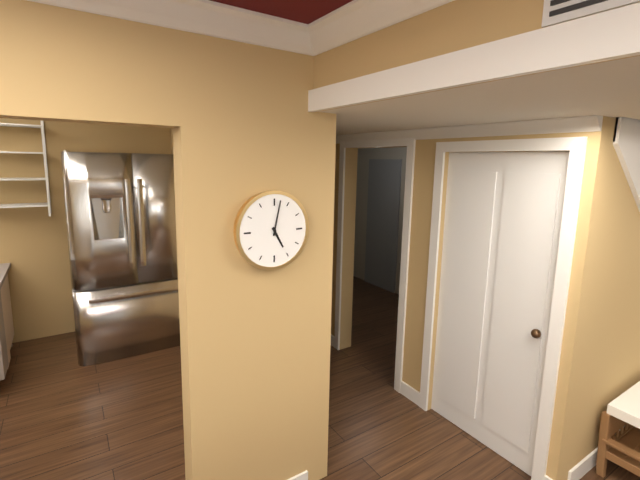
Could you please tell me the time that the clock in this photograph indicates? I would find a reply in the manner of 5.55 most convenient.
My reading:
5.02
